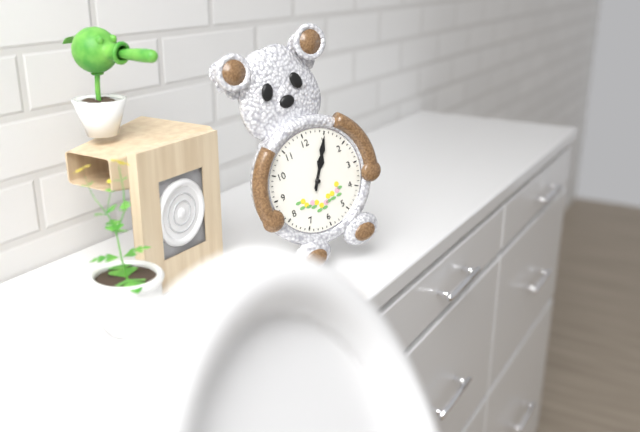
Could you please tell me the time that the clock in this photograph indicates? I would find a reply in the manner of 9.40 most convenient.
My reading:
1.05
